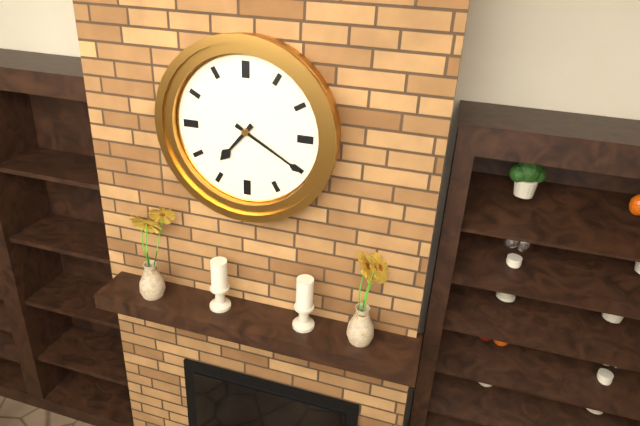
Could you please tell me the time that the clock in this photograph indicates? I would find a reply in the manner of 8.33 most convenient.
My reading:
7.20
